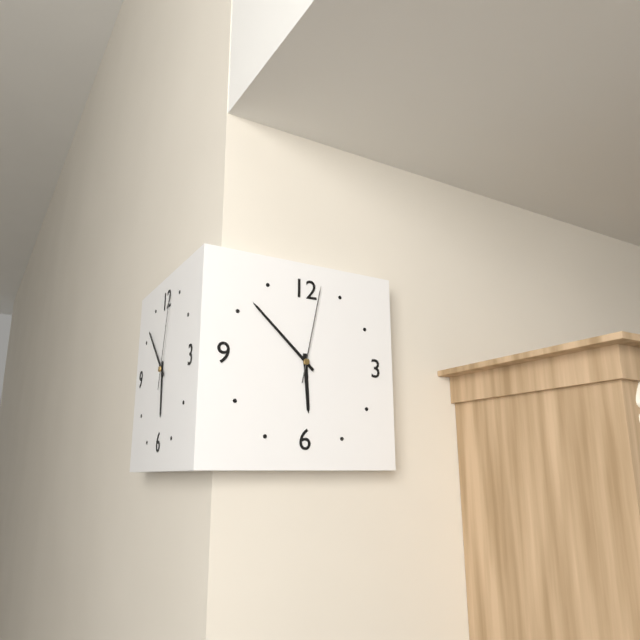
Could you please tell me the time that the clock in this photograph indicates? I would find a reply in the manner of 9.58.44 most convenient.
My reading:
5.52.02
